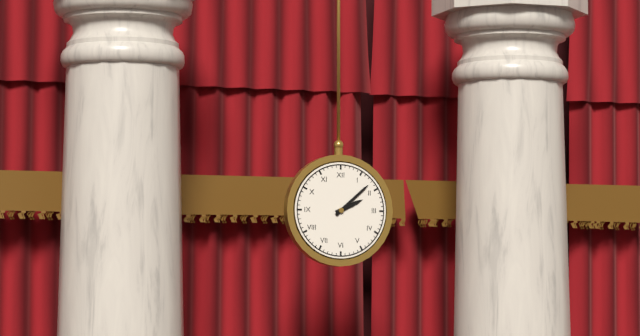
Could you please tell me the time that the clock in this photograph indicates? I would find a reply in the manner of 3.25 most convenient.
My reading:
2.08
